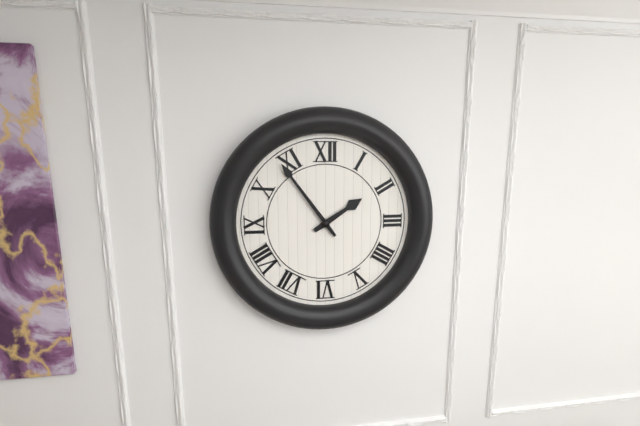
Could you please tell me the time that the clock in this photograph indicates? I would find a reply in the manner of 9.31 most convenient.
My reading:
1.54
